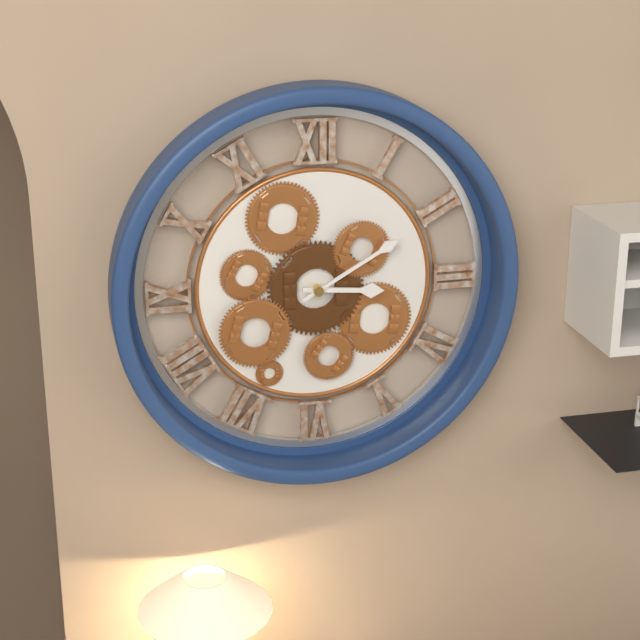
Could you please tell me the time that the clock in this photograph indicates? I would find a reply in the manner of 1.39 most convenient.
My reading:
3.10
